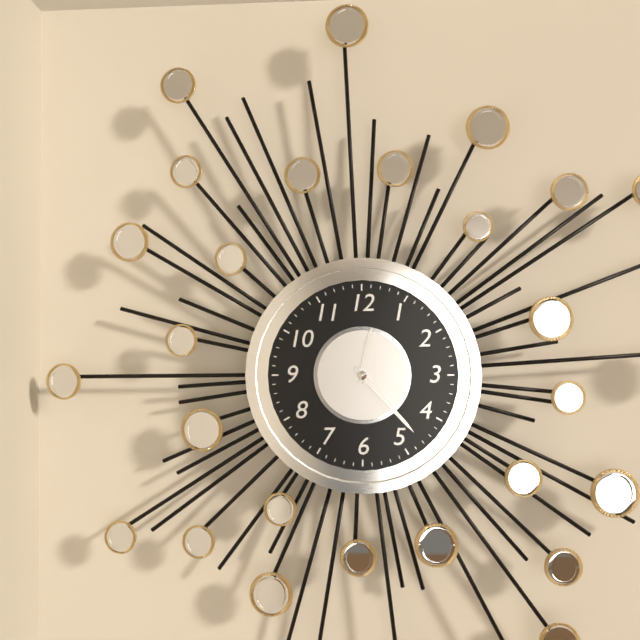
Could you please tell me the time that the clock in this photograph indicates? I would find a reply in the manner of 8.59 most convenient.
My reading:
12.23
